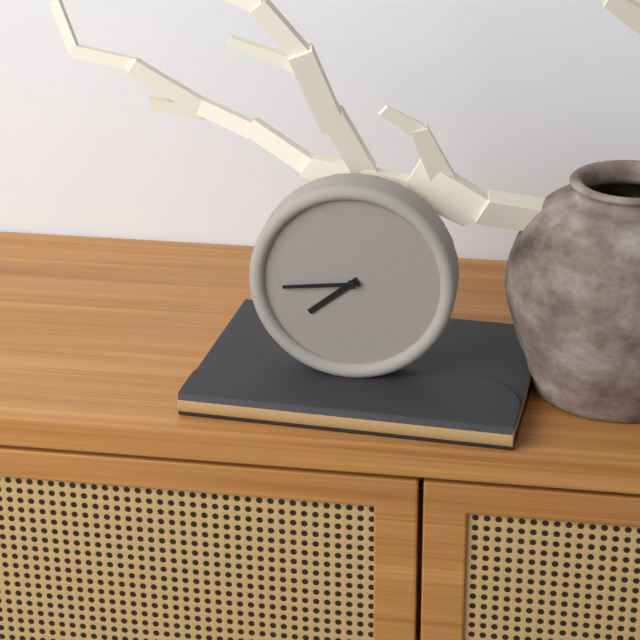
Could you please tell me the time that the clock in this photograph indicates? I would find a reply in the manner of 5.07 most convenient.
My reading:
7.44
